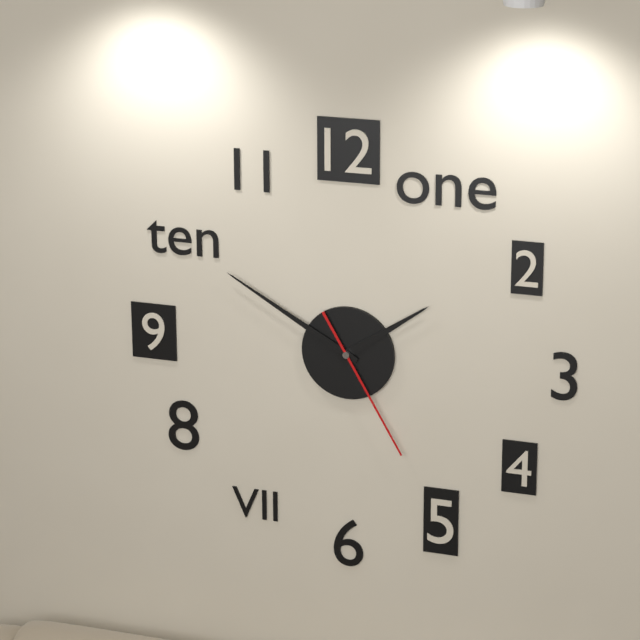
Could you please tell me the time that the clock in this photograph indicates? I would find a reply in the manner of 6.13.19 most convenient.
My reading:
1.50.25
